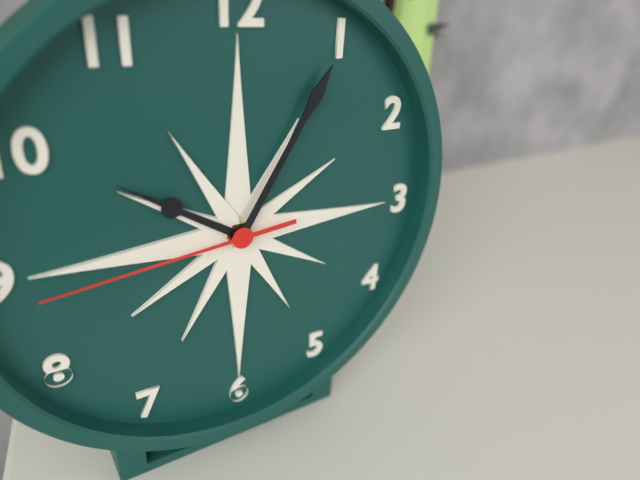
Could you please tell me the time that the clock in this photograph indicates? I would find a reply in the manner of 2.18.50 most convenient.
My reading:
10.05.44
